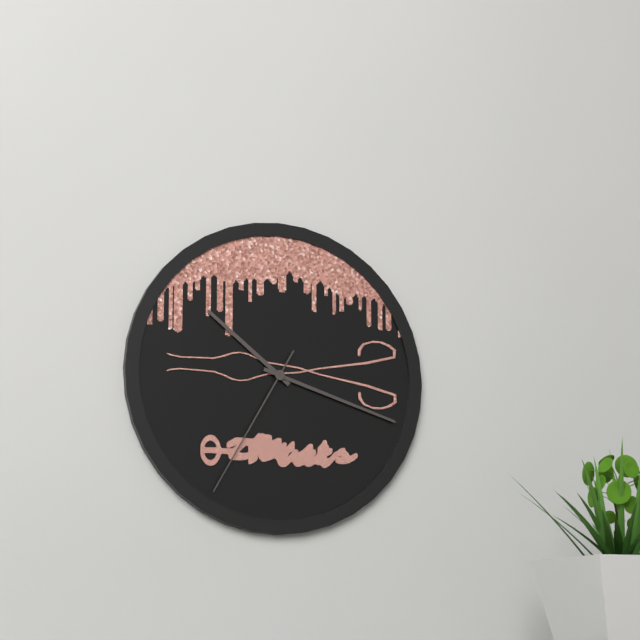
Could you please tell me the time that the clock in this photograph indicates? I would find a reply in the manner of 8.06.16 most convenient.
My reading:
10.18.35
